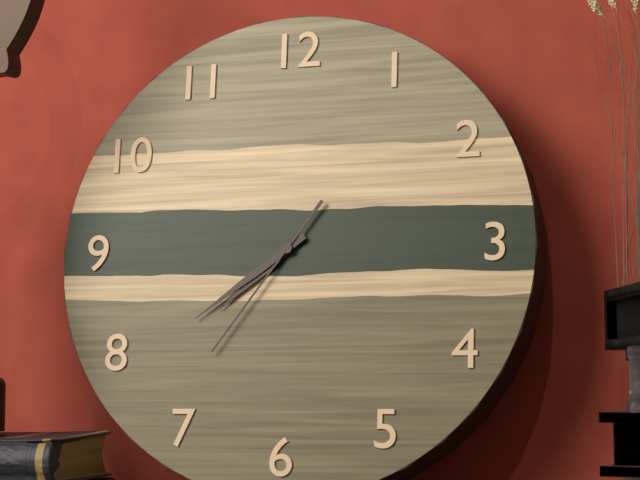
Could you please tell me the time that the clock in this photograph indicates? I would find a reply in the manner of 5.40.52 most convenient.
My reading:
7.39.36
